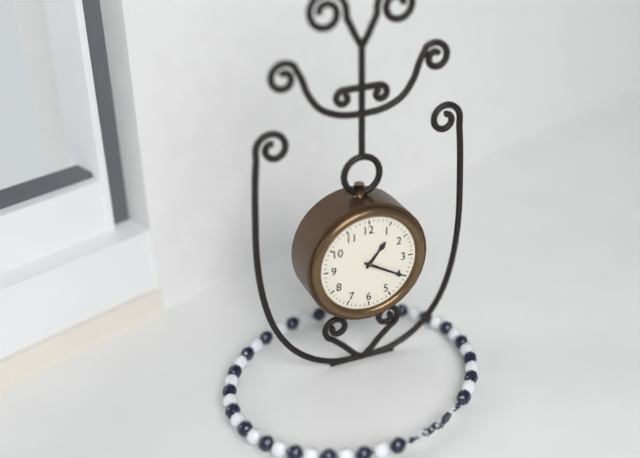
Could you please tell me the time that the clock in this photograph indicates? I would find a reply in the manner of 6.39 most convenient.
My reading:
1.20
